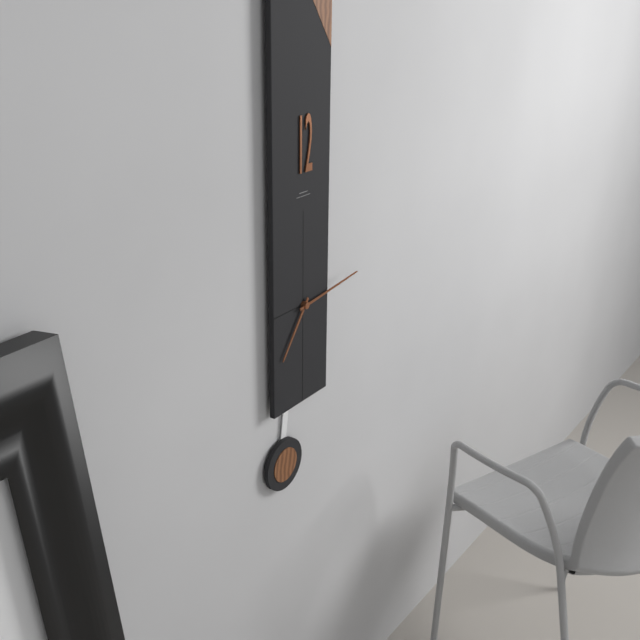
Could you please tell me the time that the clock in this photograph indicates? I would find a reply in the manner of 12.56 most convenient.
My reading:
7.14
